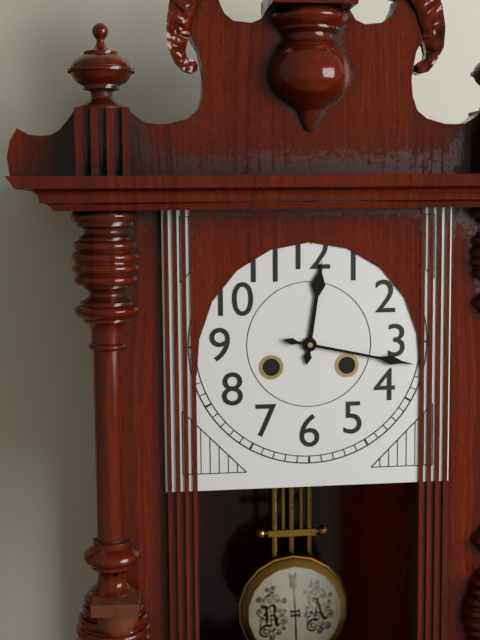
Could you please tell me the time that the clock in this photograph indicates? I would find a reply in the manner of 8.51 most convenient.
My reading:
12.17
